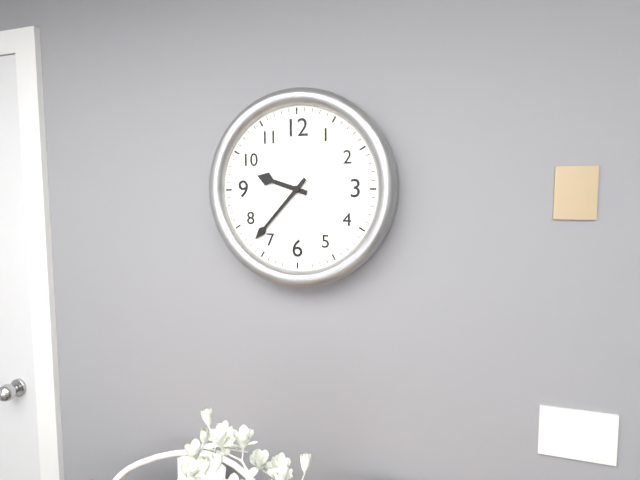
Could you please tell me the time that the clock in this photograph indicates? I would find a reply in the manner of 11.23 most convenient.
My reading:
9.37
